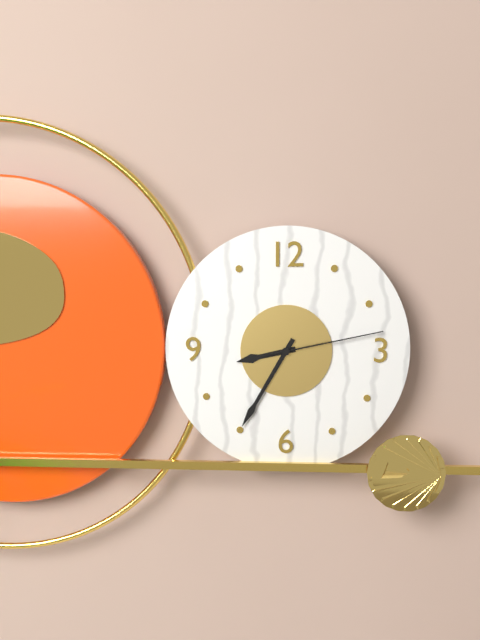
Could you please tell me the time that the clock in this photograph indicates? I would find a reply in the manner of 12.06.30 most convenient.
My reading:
8.35.13
